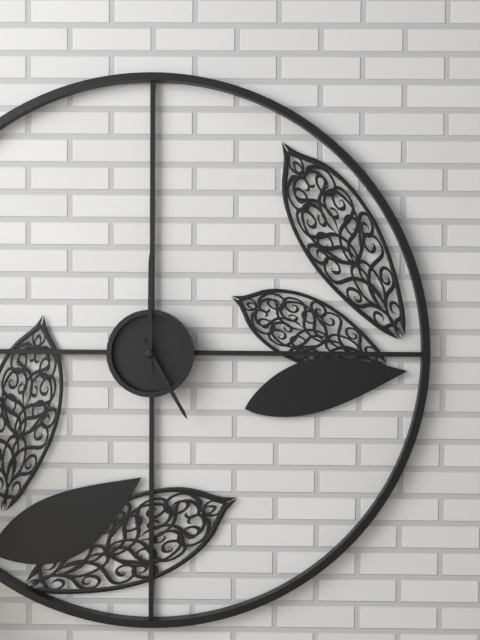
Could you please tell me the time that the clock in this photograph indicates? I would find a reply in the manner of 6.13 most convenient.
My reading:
5.00
